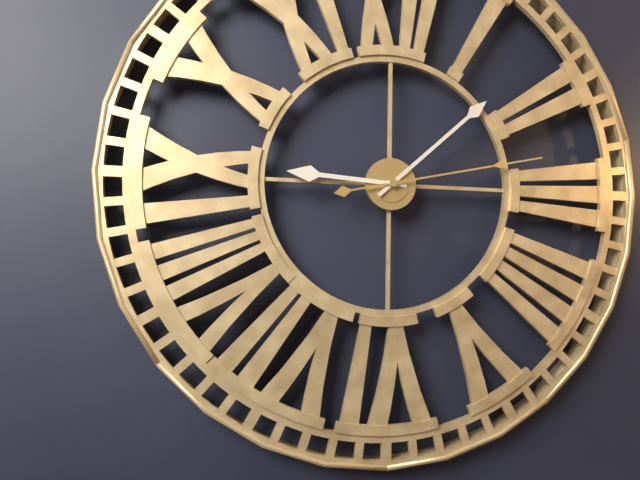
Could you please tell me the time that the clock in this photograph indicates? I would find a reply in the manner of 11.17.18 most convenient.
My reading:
9.08.13
